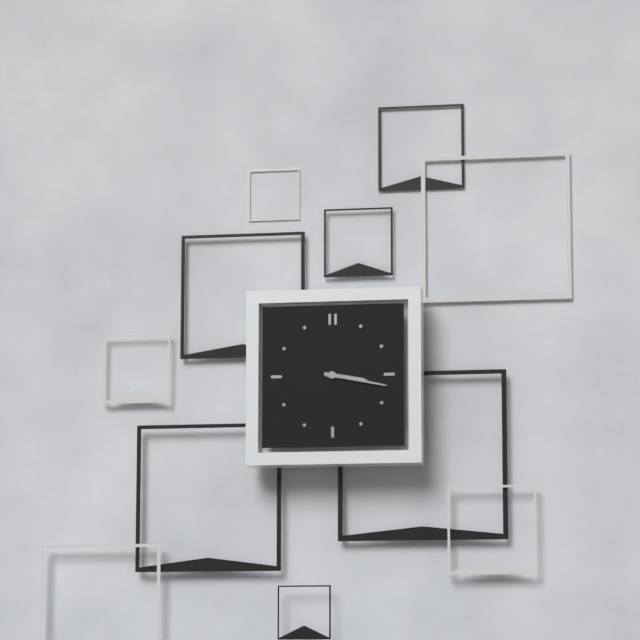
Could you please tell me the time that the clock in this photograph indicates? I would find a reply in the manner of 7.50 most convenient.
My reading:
3.17
